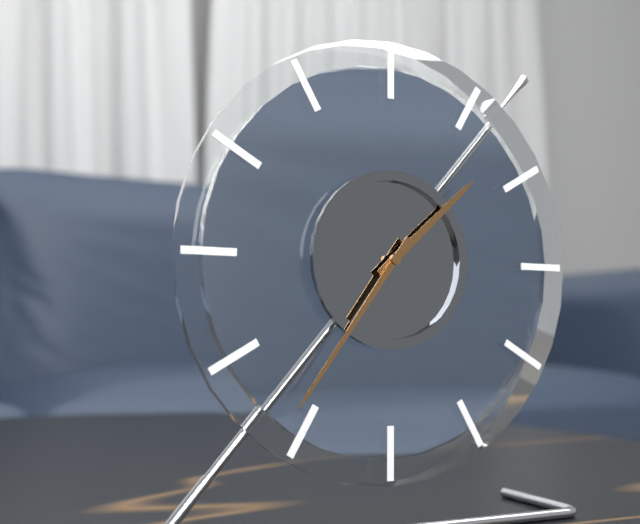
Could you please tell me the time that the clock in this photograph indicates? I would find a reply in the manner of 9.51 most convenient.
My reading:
1.36
